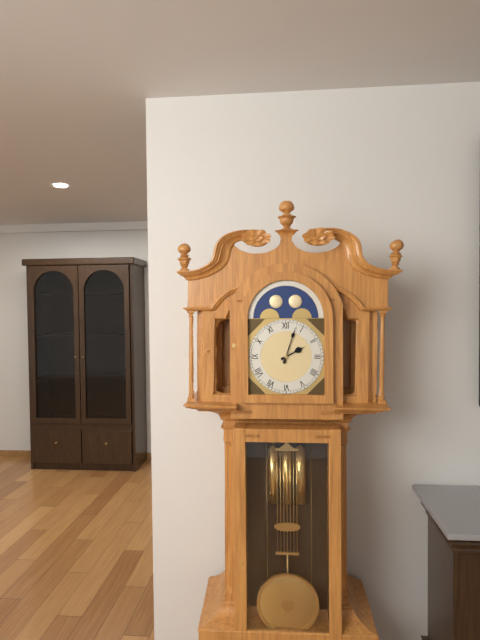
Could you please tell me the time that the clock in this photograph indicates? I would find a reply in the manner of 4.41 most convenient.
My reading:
2.03
